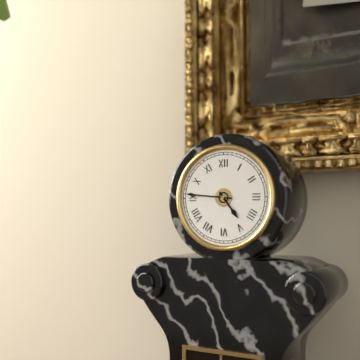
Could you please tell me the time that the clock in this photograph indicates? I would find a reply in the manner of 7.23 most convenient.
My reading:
4.46
